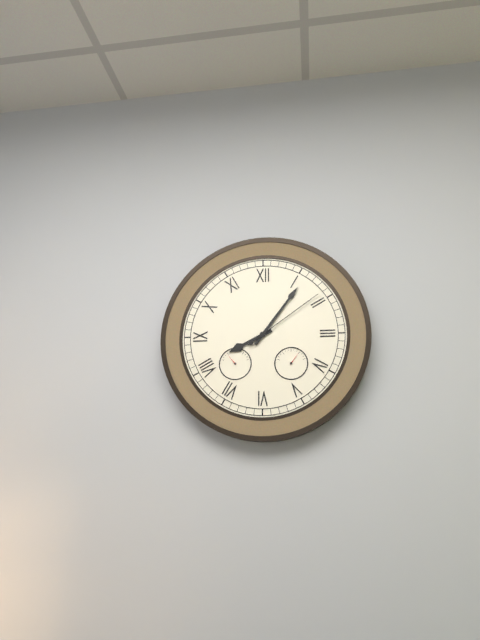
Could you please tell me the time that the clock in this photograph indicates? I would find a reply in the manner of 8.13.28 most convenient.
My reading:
8.06.09
